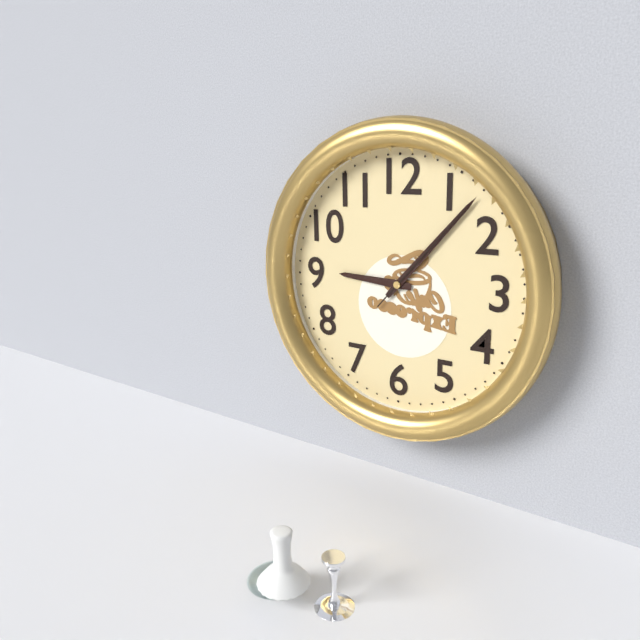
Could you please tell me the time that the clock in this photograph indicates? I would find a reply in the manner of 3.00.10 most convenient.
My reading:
9.07.07
